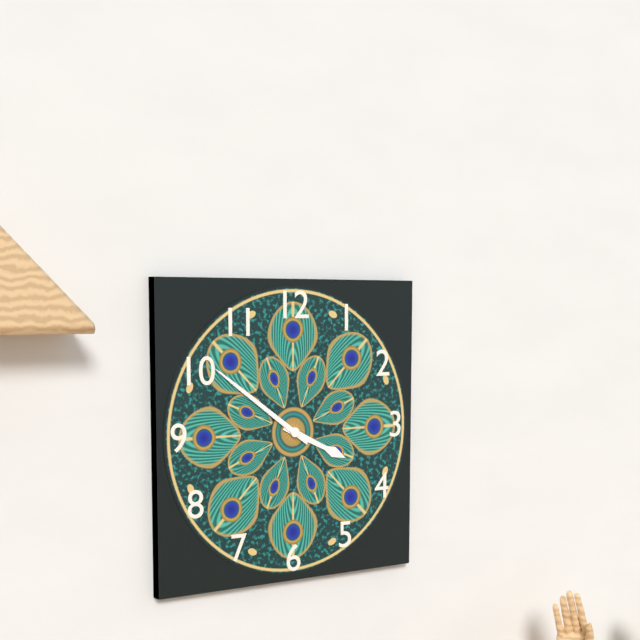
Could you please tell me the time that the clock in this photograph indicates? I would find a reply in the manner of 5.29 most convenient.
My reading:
3.51
